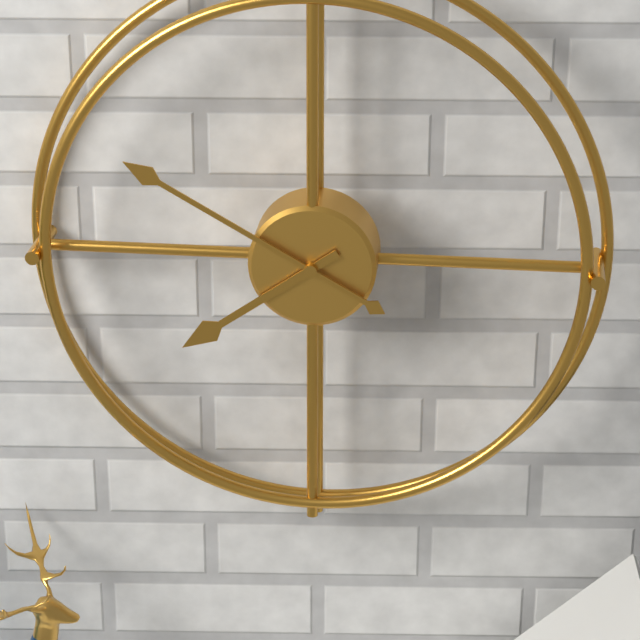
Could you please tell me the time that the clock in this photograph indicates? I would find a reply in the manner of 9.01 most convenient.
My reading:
7.50
